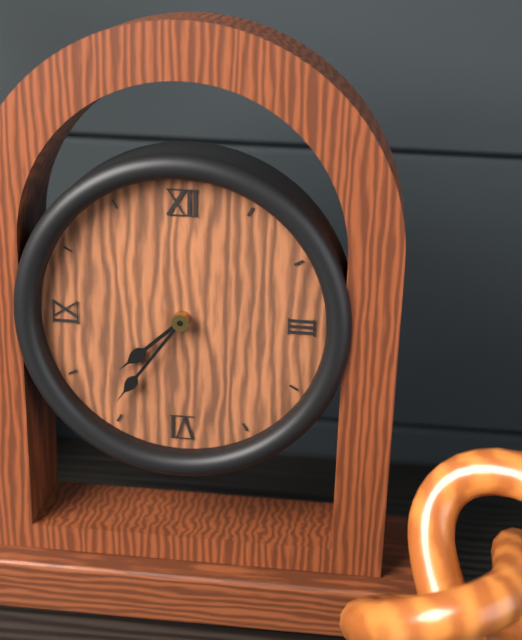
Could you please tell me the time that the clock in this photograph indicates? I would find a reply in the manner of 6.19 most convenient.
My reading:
7.36
